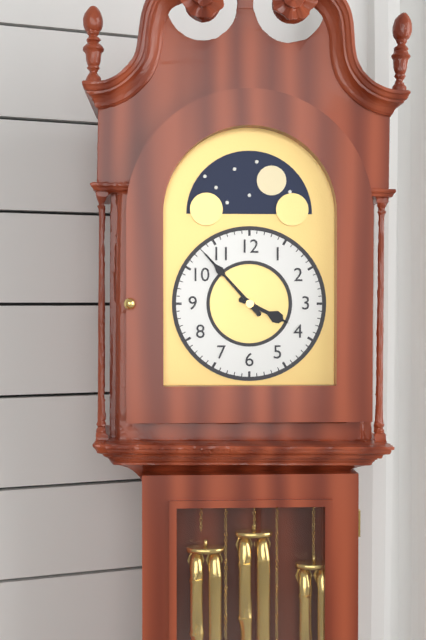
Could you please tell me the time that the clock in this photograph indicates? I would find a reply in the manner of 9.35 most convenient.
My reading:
3.53
